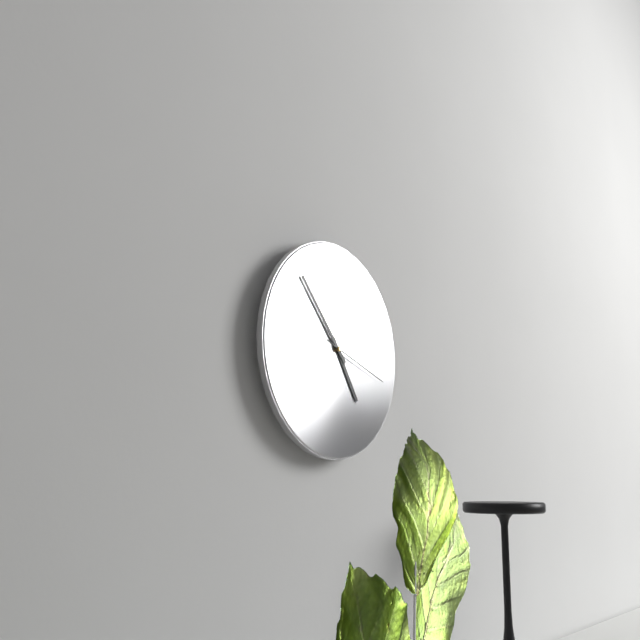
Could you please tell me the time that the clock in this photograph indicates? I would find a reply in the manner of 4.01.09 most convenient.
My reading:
4.53.18
